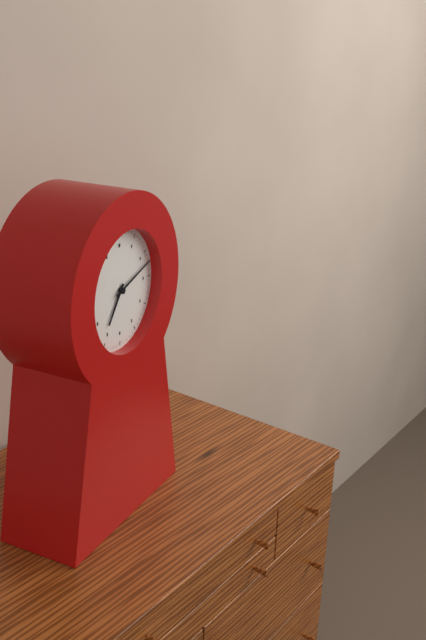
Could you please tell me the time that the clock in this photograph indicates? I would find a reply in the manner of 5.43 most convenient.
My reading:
7.12
